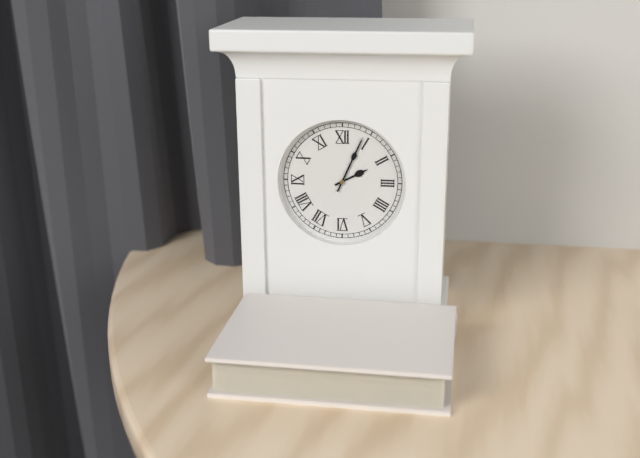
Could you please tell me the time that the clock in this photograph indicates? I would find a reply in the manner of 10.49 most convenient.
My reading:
2.04
